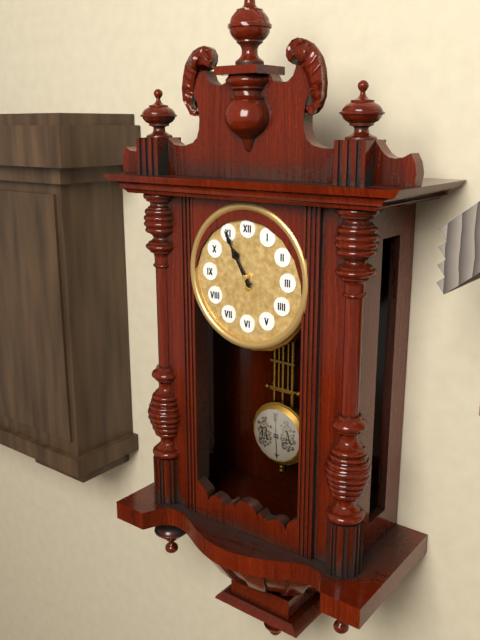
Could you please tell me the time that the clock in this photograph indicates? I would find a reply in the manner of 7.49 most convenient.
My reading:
10.55
